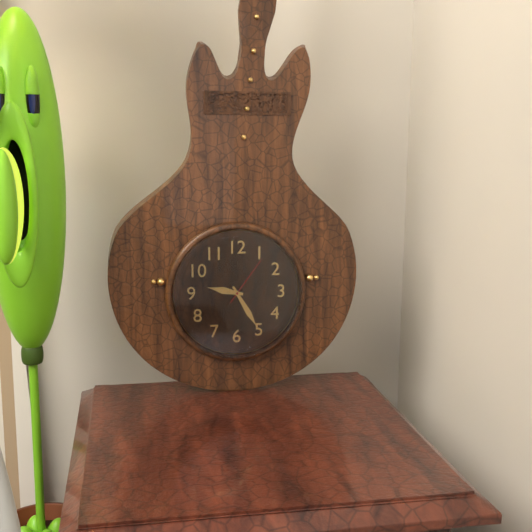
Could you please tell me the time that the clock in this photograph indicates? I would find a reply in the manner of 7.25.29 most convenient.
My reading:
9.25.06
